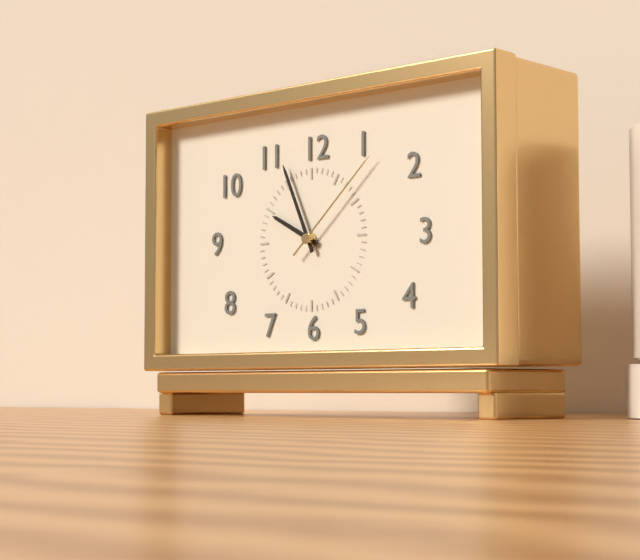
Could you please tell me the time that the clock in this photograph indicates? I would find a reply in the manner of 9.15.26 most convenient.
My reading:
9.56.08
